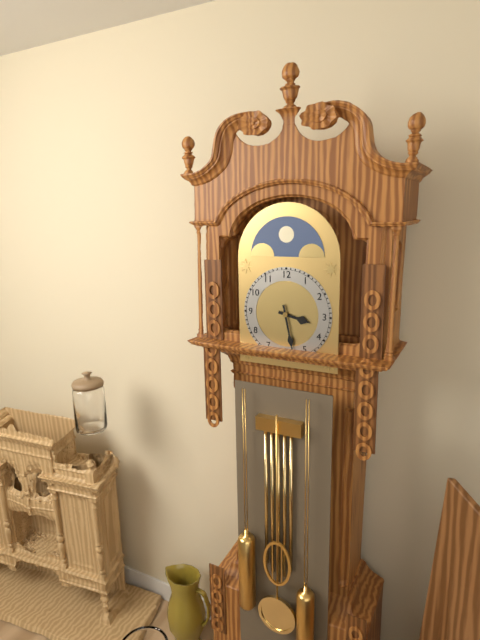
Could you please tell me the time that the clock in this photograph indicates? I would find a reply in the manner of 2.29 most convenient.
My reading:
3.28
